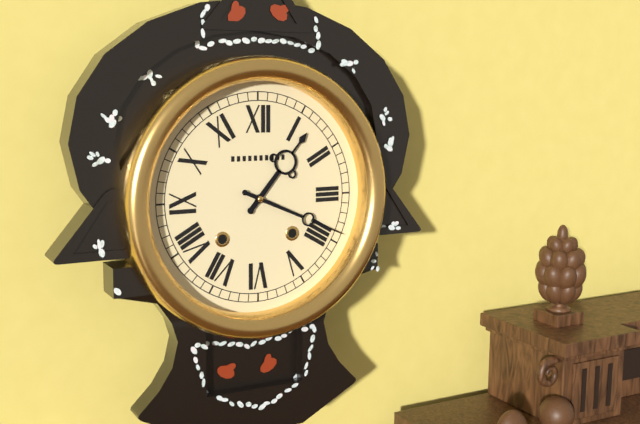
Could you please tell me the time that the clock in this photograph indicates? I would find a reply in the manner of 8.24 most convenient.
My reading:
1.19
